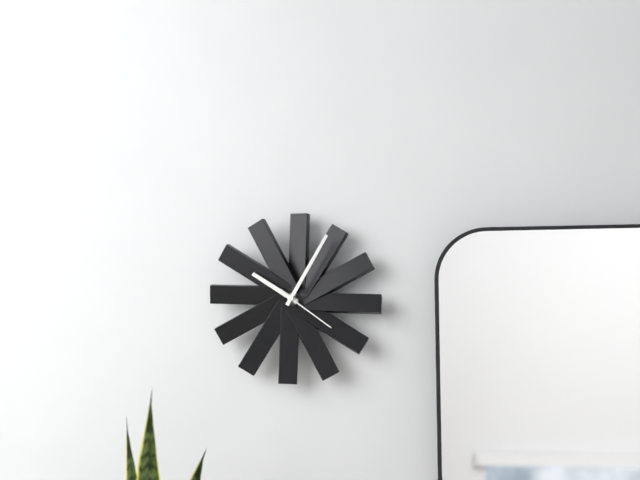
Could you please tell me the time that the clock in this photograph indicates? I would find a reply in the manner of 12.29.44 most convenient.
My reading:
10.05.21
